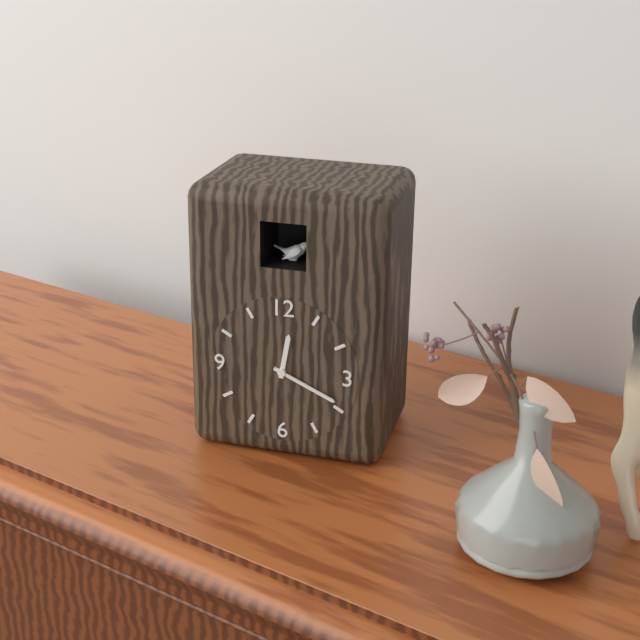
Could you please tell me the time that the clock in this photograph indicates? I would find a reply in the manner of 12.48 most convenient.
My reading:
12.19
